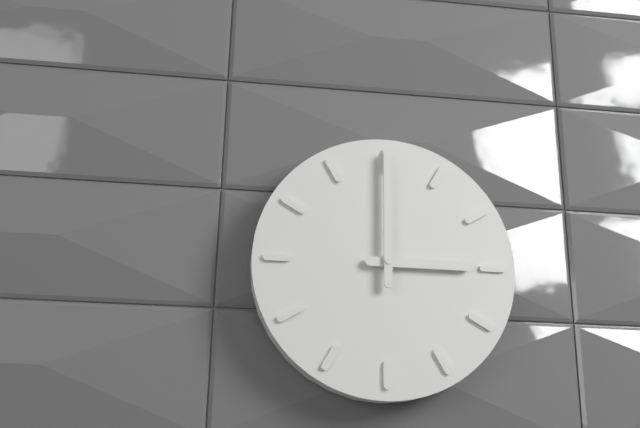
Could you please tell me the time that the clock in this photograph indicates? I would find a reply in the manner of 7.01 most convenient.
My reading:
3.00
